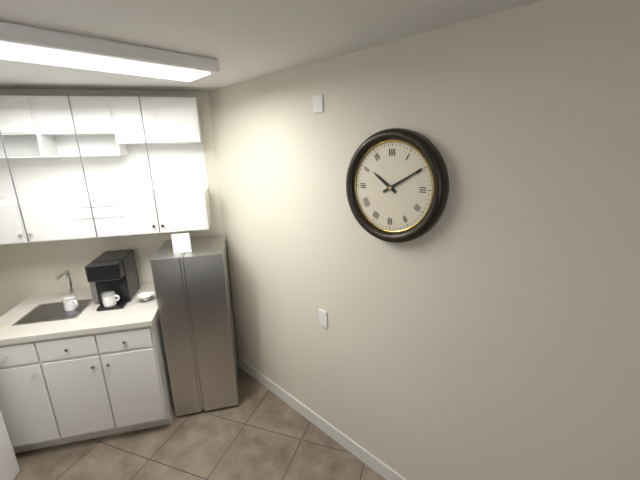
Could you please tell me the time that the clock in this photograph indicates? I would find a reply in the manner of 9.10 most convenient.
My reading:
10.10
